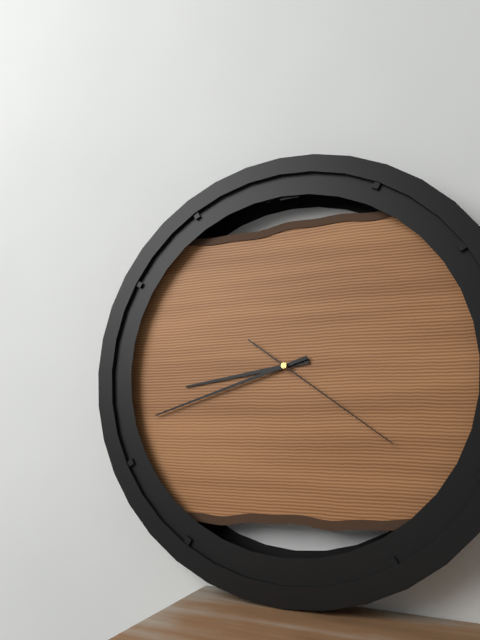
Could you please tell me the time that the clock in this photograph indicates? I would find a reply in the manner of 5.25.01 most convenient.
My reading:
8.42.21
